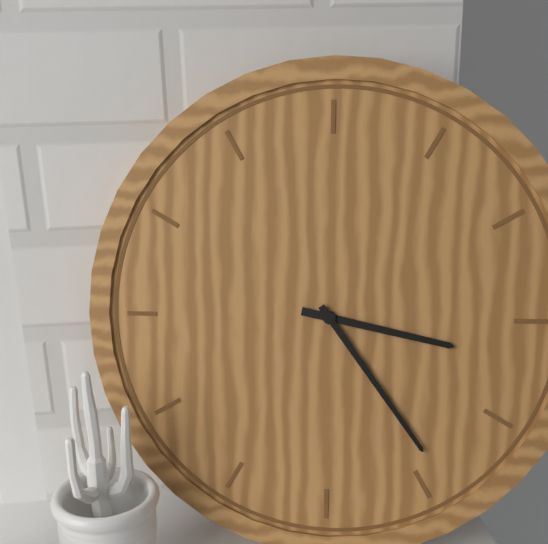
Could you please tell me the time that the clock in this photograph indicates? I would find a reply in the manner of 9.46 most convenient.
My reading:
3.24
